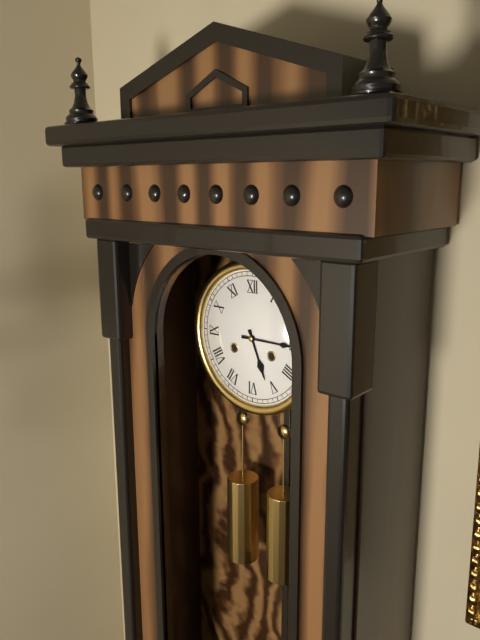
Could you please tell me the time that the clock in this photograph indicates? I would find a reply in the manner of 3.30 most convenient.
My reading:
5.15
